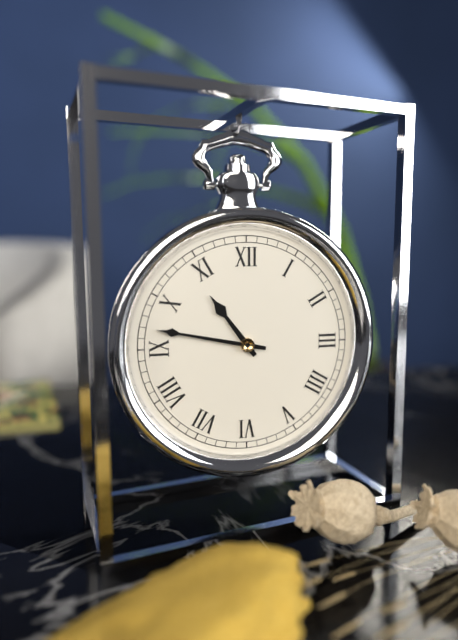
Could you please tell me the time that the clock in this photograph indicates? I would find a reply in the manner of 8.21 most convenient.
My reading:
10.47
